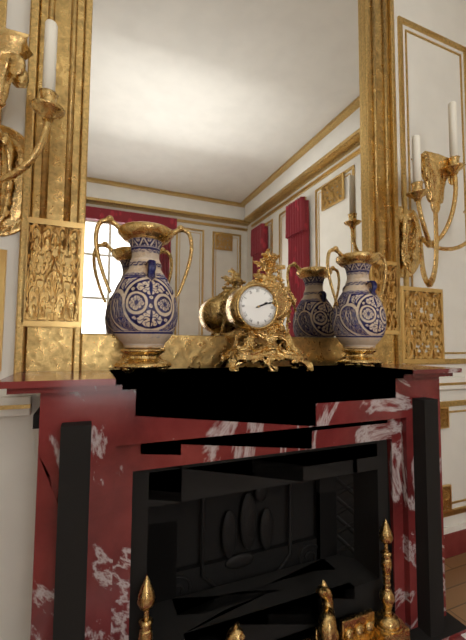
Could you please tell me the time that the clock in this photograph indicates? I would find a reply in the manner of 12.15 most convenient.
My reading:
2.12
